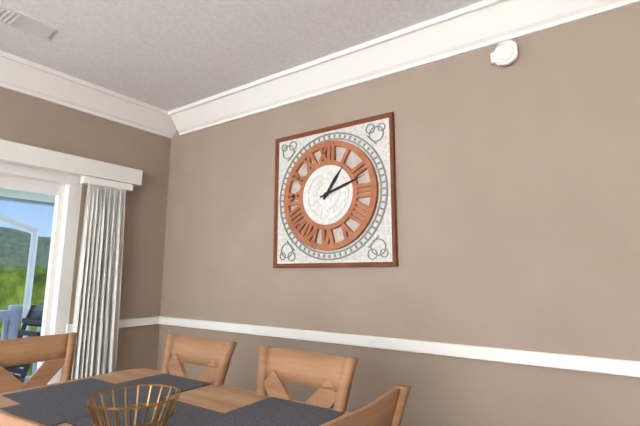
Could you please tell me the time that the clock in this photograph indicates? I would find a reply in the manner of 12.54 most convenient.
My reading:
1.12
